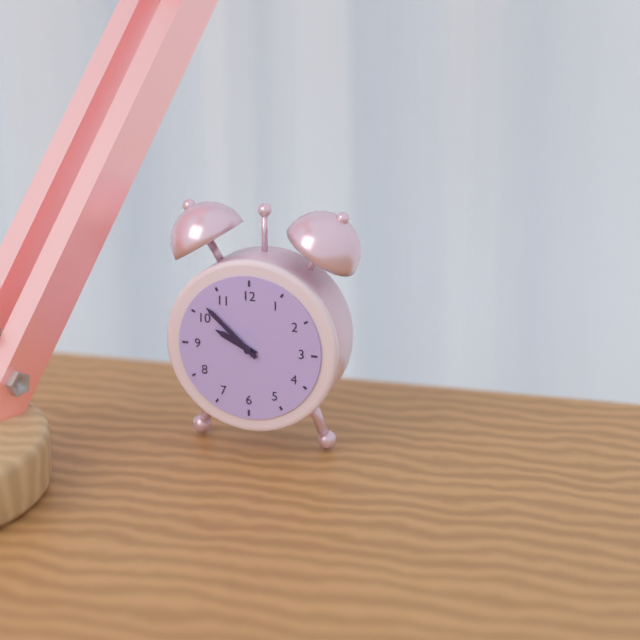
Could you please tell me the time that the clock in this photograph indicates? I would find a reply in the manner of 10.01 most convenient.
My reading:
9.52
